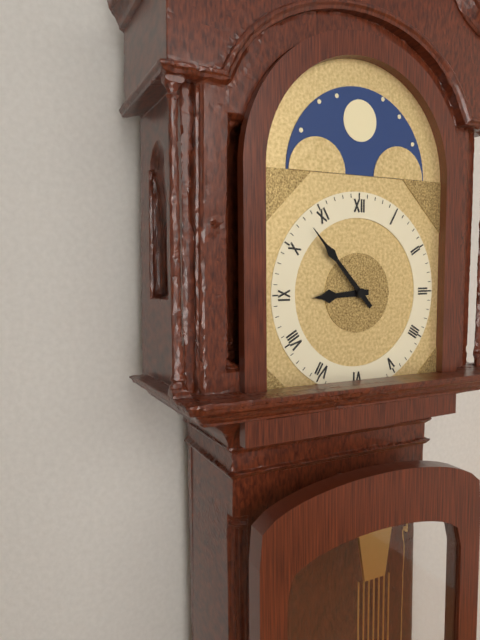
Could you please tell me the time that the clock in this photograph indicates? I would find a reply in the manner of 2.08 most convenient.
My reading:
8.53
